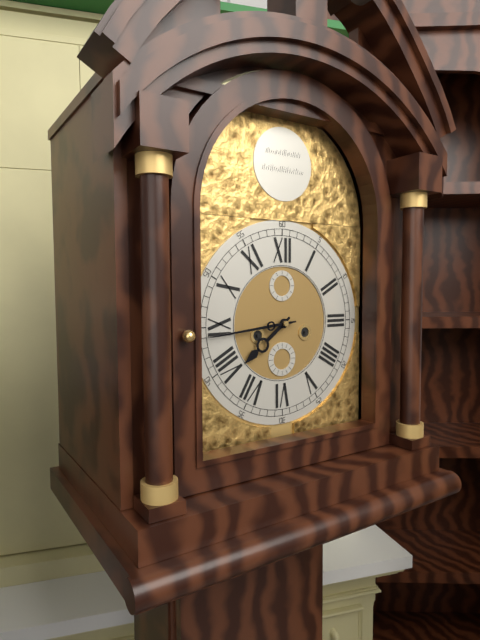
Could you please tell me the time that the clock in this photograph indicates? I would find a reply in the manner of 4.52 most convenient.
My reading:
7.44
